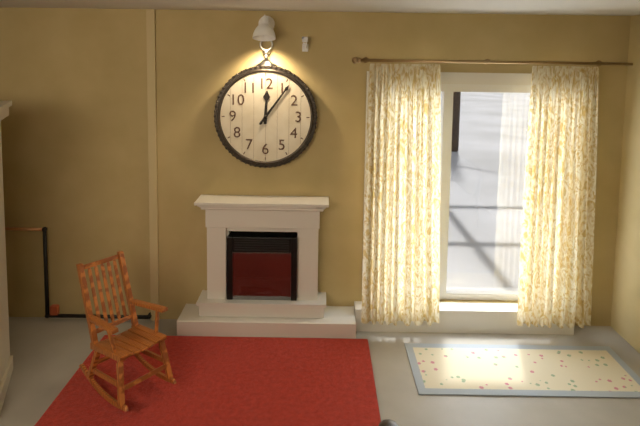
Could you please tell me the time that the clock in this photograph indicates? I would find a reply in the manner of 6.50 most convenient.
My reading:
12.06
